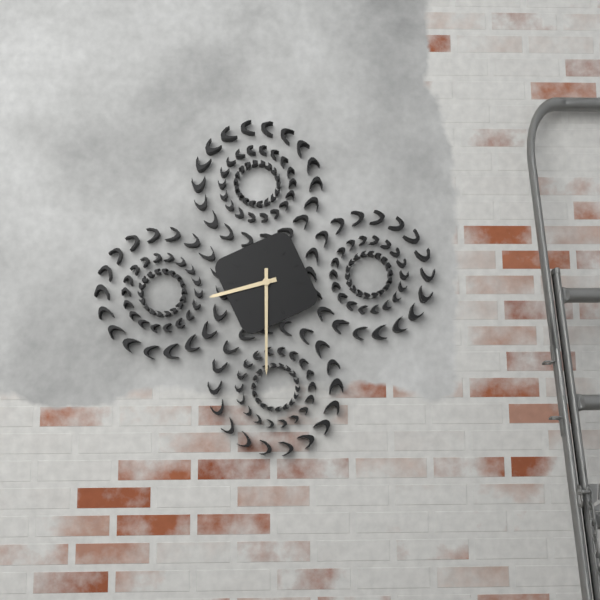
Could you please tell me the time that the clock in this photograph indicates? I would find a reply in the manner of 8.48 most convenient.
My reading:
8.30
